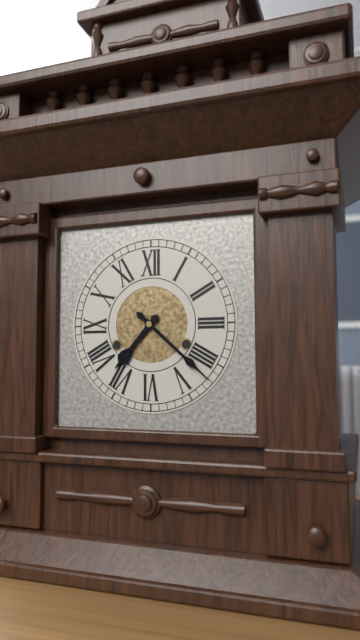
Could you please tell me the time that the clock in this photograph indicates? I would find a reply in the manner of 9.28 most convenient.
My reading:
7.22
